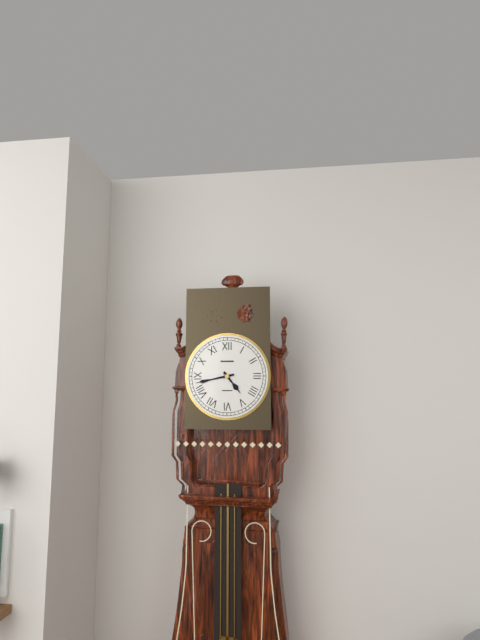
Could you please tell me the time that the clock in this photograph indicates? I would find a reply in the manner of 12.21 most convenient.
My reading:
4.43
